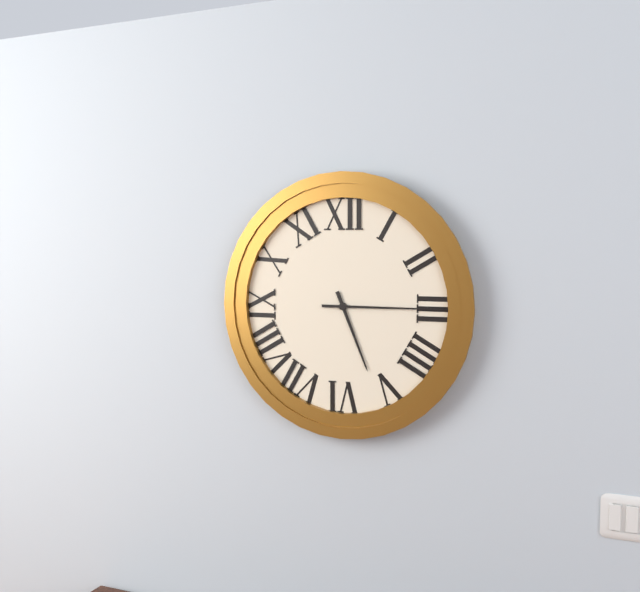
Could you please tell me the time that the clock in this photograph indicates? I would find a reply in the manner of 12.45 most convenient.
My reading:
5.15
